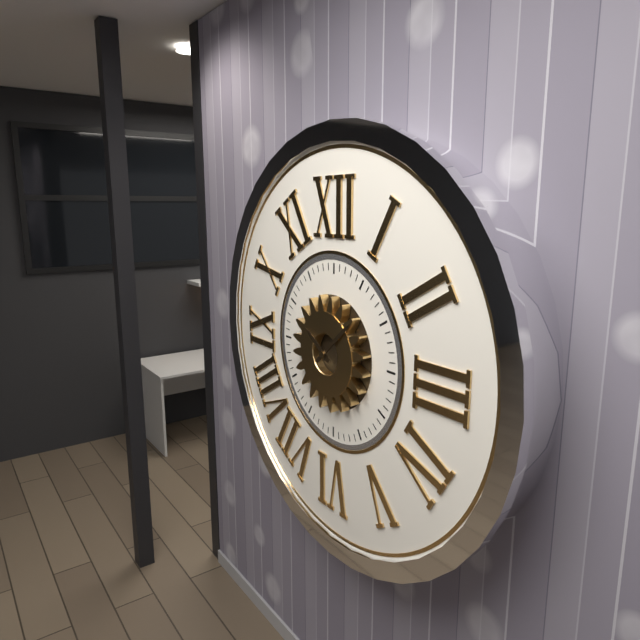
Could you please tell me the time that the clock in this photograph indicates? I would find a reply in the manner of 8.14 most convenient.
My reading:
10.08
